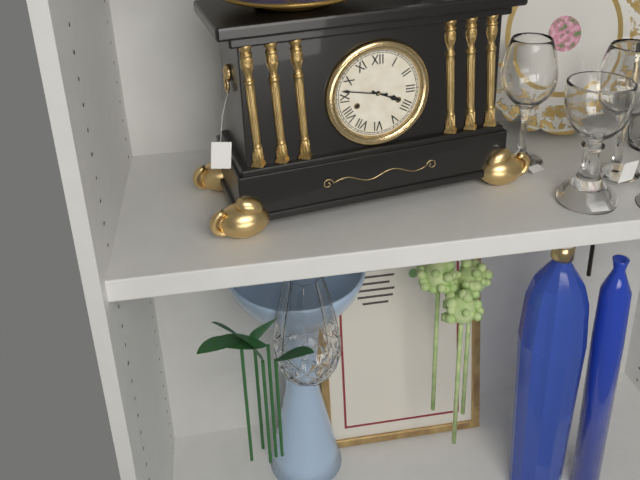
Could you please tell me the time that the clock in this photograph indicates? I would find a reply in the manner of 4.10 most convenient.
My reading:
3.47
